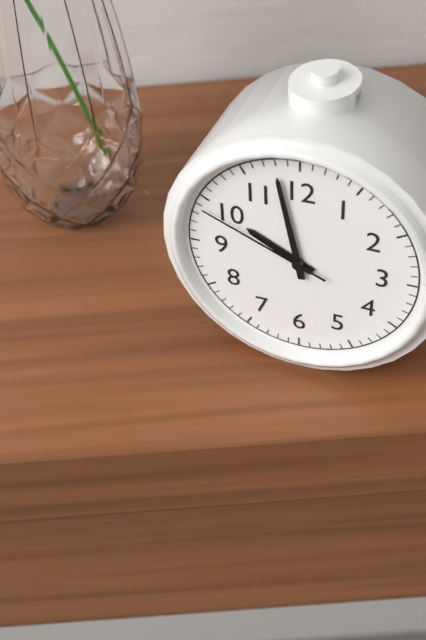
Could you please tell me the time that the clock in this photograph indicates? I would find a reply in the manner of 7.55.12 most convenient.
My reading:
9.58.49
